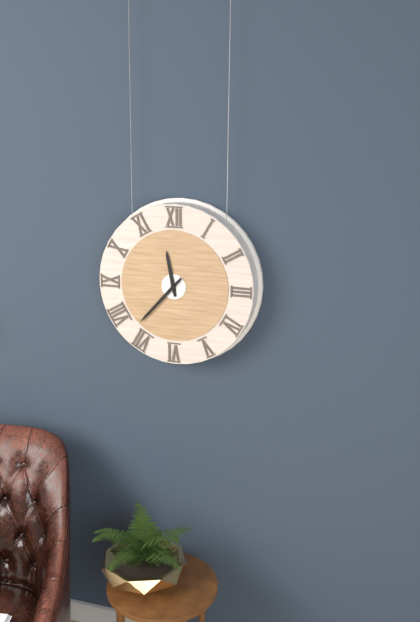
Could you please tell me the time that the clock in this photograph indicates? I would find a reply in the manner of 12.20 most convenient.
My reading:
11.37
